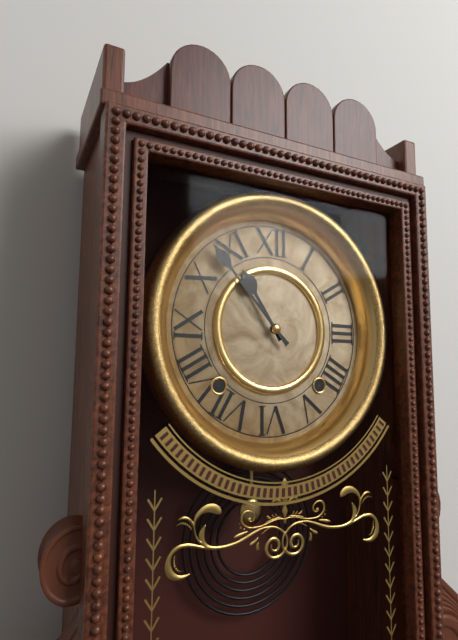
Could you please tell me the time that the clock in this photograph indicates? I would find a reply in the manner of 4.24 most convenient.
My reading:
10.53
